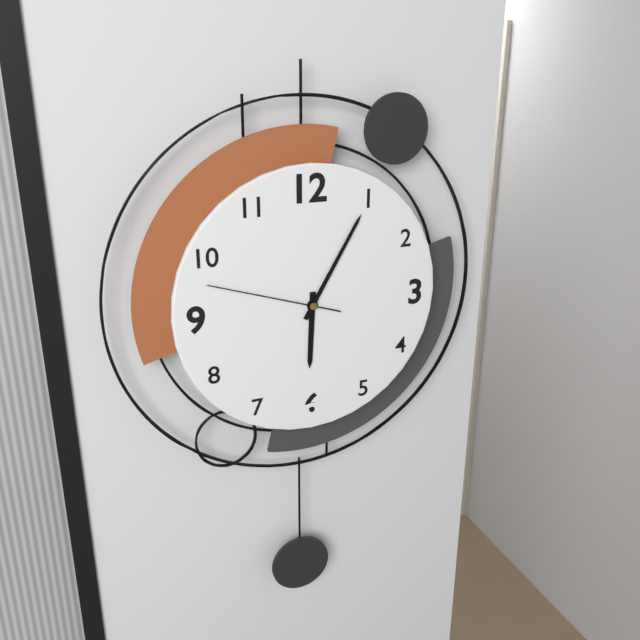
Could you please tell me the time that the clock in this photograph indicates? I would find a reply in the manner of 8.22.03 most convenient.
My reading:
6.05.48
